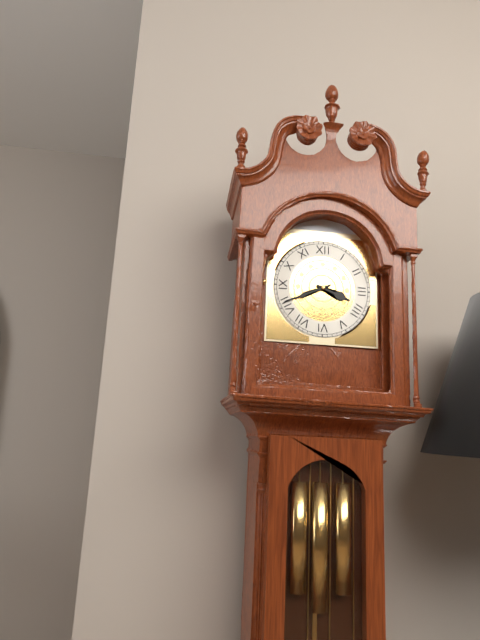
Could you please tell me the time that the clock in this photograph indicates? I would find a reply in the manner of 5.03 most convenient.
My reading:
3.41
